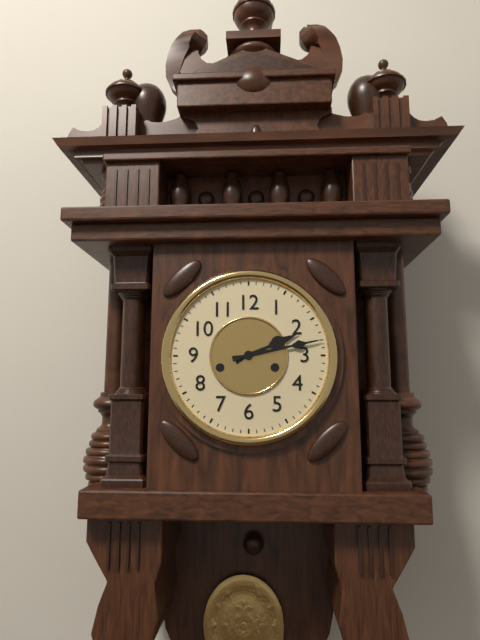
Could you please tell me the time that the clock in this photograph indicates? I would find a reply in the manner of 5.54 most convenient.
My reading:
2.13
